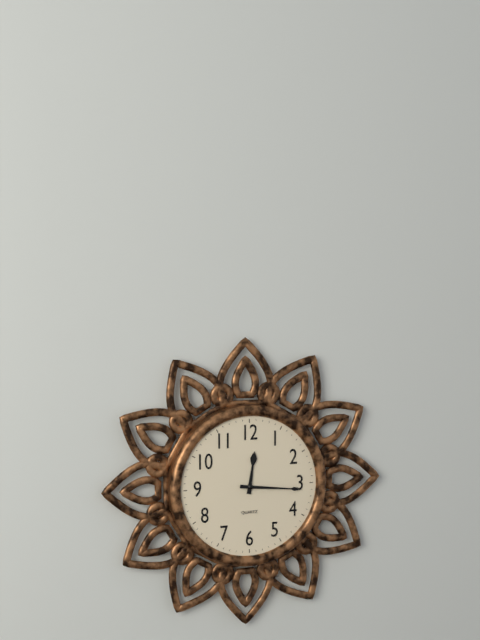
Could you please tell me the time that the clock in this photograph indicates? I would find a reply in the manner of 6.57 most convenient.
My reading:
12.16
